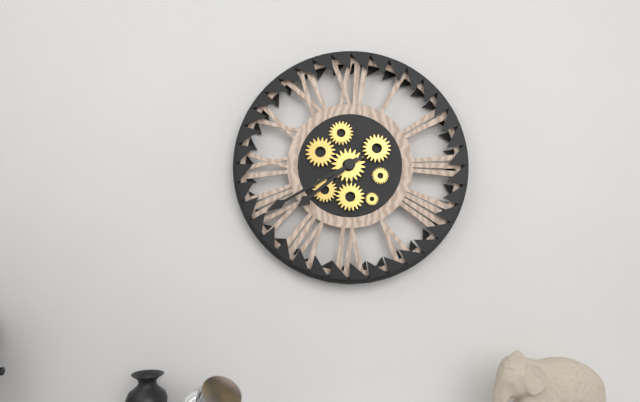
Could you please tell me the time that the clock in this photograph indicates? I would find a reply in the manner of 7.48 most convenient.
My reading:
7.40
